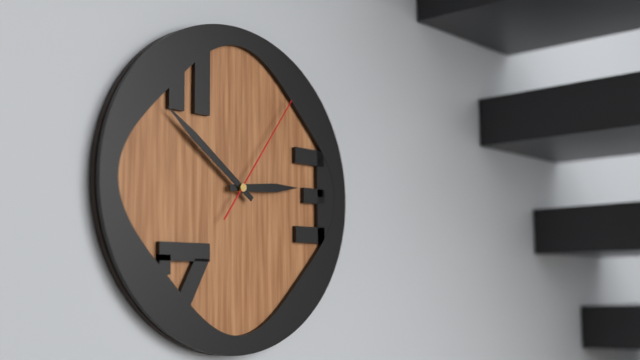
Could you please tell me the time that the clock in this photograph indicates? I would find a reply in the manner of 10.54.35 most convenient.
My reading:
2.51.06
